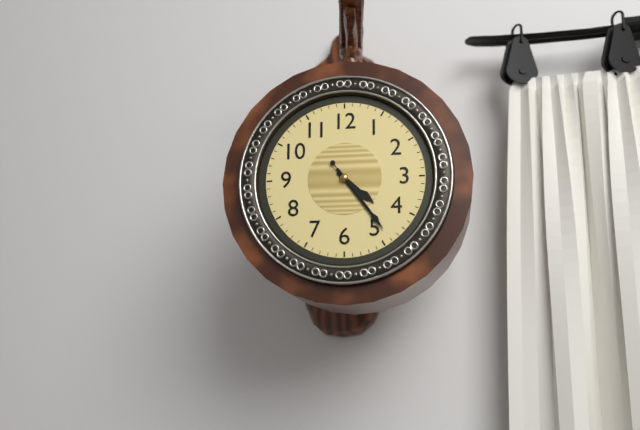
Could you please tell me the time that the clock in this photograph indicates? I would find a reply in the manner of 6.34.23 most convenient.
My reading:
4.24.24
